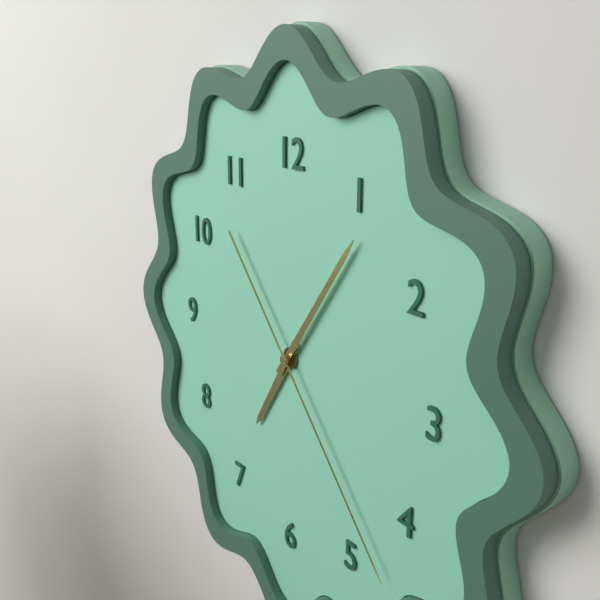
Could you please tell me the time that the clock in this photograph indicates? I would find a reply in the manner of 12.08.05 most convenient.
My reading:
7.06.23
